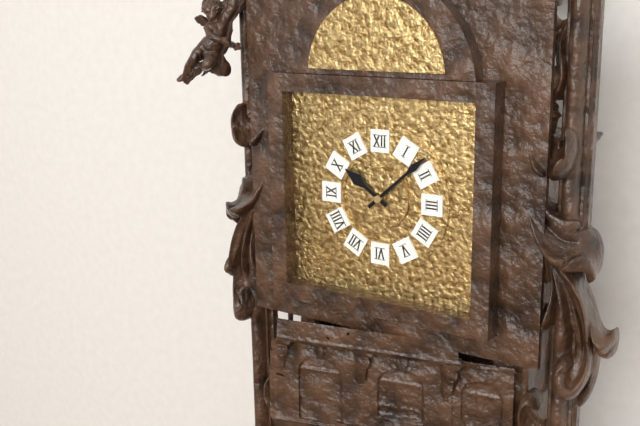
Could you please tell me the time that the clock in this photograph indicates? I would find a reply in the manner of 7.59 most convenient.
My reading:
10.08
